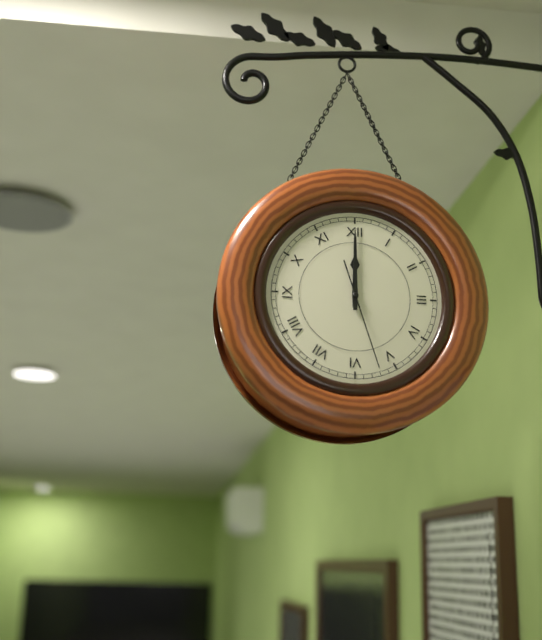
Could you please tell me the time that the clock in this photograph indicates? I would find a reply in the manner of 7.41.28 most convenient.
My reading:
12.00.27
